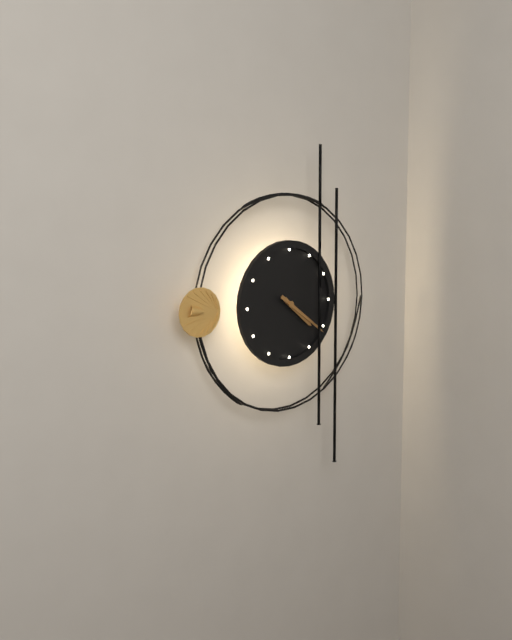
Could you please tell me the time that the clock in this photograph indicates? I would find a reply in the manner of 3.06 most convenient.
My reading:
4.21
